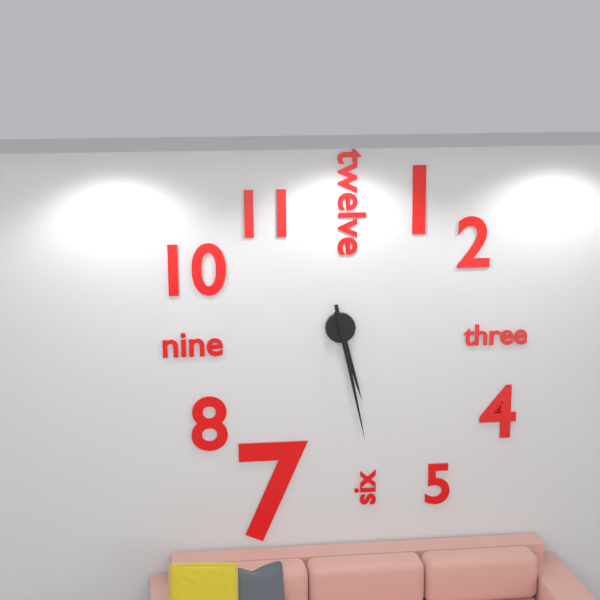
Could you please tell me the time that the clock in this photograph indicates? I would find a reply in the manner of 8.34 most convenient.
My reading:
5.28
